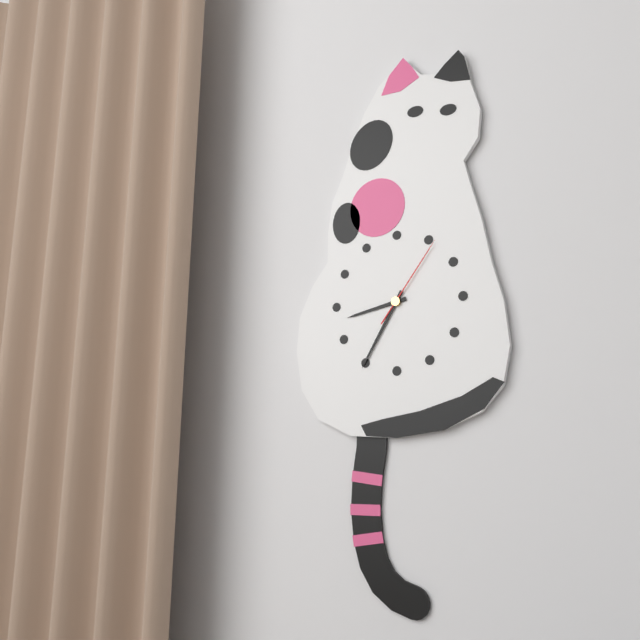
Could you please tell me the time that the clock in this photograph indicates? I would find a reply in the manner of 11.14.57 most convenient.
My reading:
8.35.06
